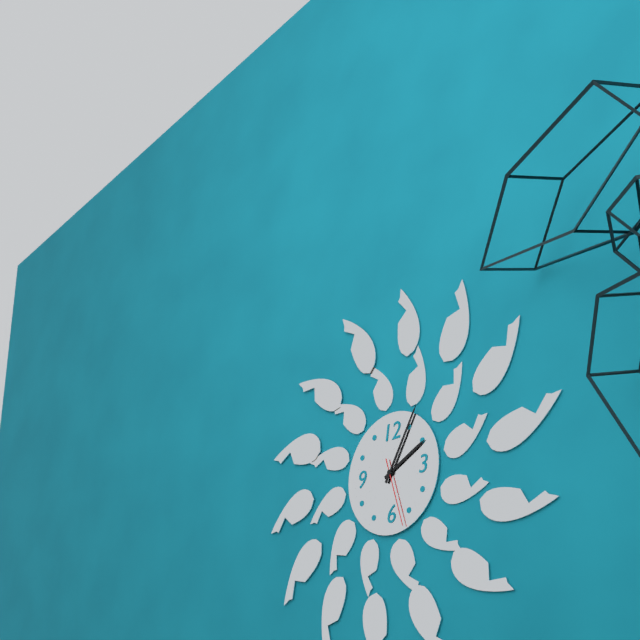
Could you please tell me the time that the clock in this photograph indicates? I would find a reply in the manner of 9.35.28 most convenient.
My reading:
2.05.27
